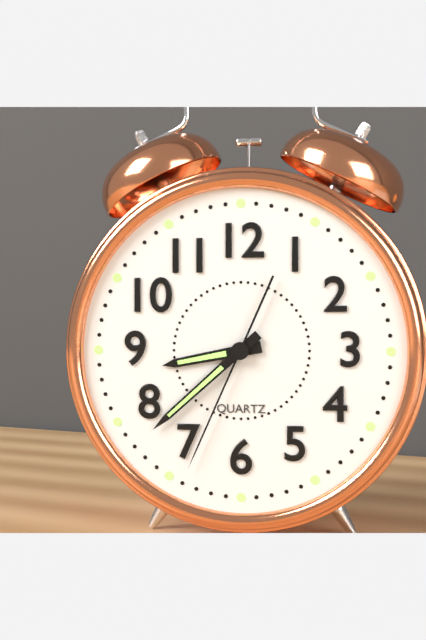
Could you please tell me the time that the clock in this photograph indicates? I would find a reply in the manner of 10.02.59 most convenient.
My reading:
8.38.34
